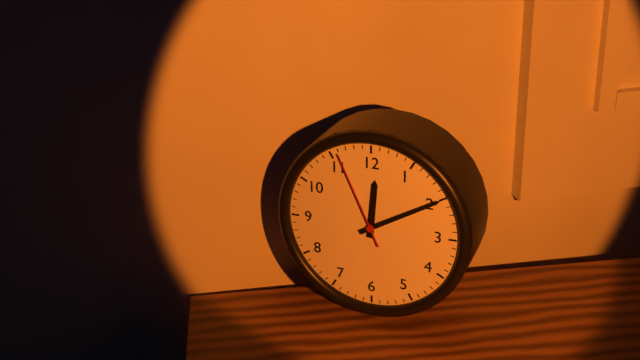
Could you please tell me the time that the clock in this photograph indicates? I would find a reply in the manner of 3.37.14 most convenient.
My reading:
12.10.56
